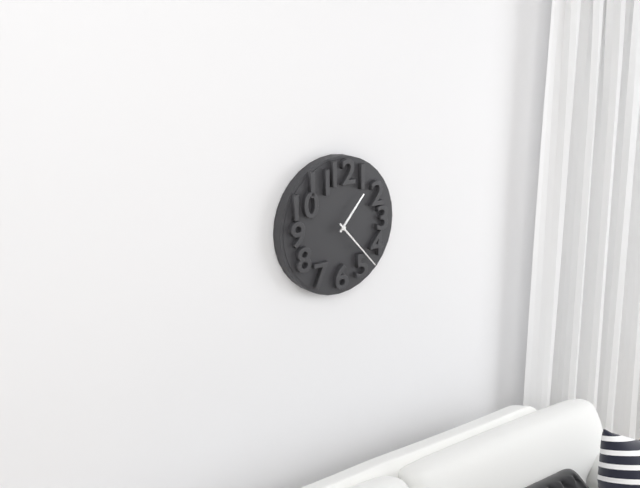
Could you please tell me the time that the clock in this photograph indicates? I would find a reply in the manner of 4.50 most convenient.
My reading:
1.23
